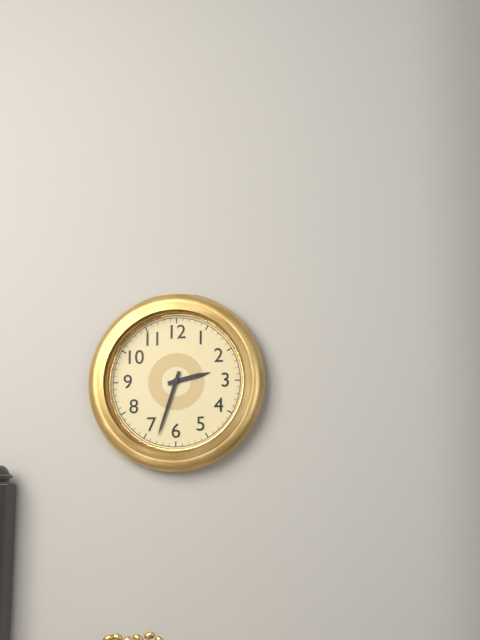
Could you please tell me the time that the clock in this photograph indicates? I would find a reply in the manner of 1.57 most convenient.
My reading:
2.33
